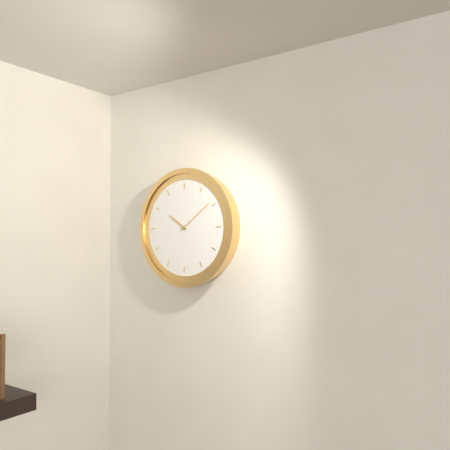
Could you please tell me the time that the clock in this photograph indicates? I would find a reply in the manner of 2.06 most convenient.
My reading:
10.09
